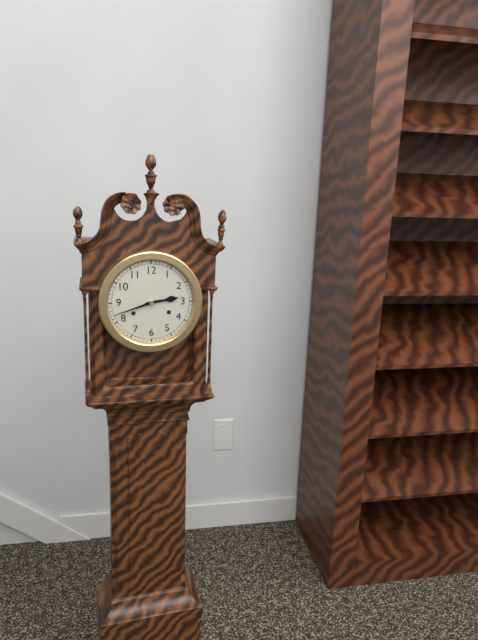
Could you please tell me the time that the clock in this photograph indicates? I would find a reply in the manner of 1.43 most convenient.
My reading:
2.42
